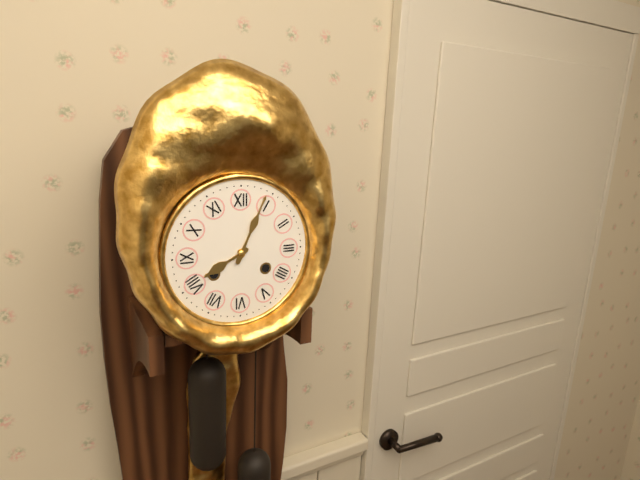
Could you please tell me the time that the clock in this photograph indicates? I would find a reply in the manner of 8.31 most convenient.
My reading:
8.04
